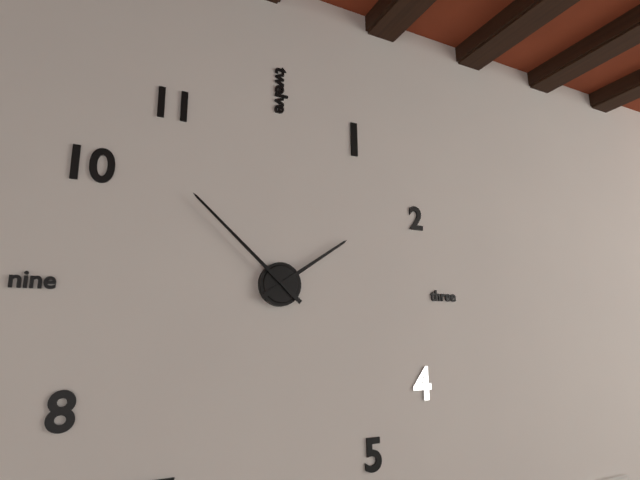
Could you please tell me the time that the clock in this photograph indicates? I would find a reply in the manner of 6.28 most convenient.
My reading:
1.52
